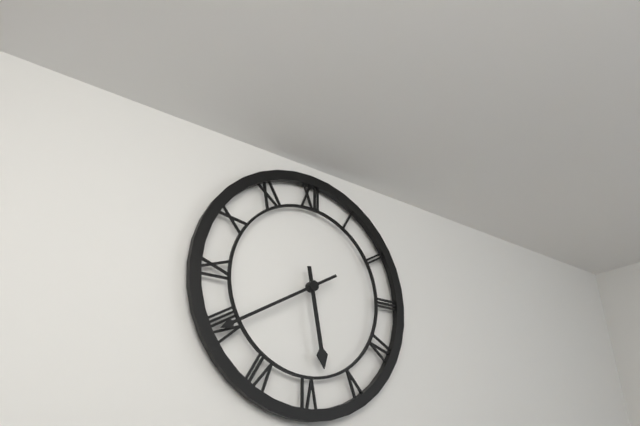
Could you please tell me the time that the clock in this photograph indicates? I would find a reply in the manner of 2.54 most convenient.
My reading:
5.40
